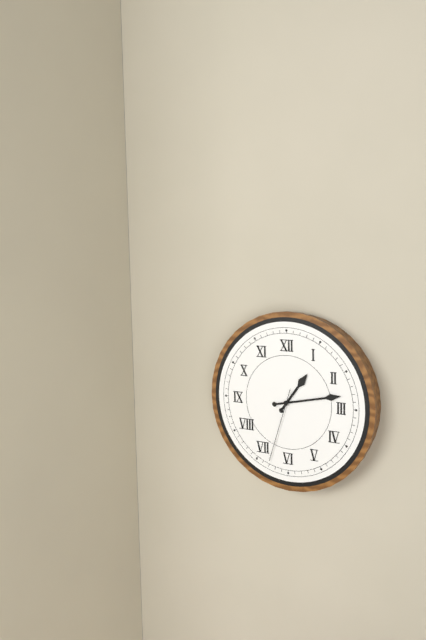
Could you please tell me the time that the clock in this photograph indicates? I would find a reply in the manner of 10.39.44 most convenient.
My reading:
1.13.33
